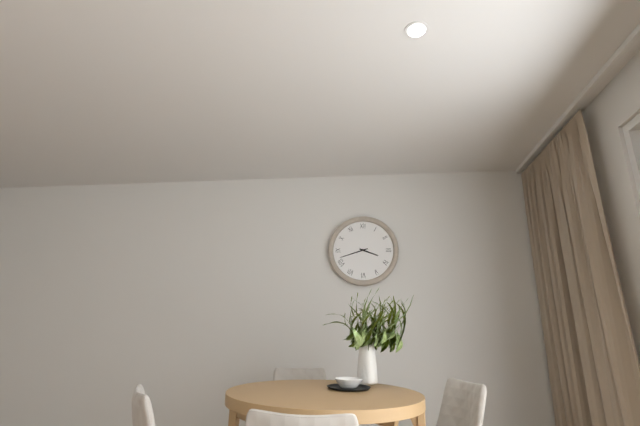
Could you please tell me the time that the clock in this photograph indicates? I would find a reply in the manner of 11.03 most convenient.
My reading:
3.42
